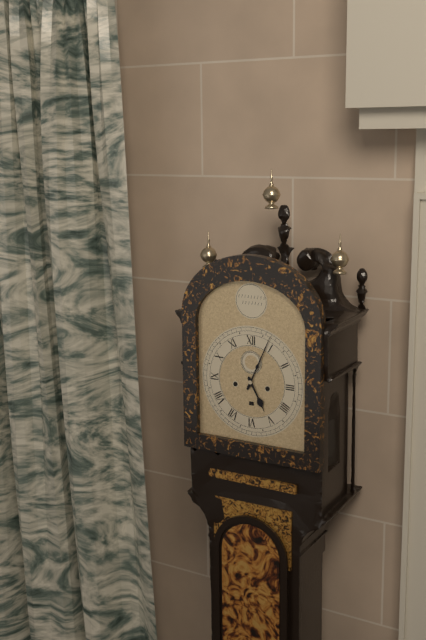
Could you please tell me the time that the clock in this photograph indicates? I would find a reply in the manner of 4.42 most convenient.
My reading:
5.04
